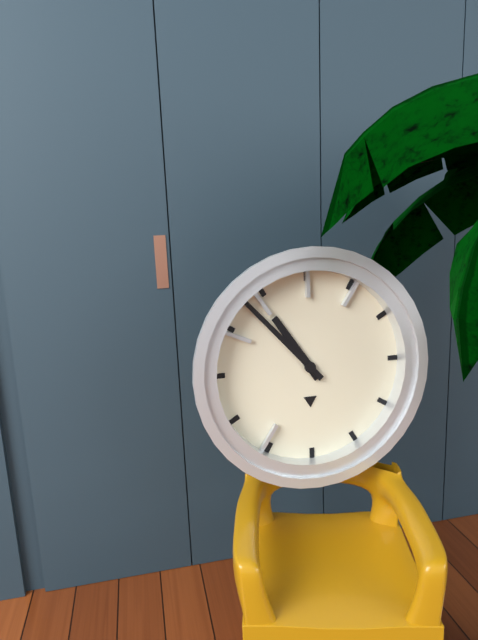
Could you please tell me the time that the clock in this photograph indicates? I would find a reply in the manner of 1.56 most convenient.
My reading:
10.53
